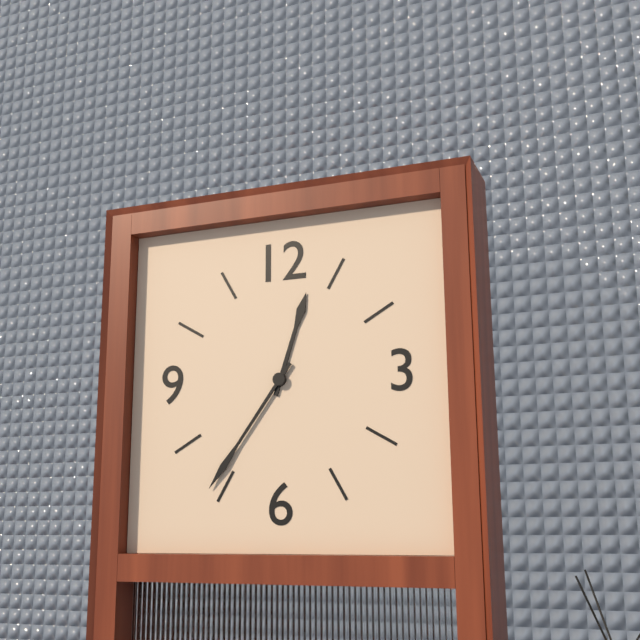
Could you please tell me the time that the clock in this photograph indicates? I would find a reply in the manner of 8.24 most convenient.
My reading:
12.36
